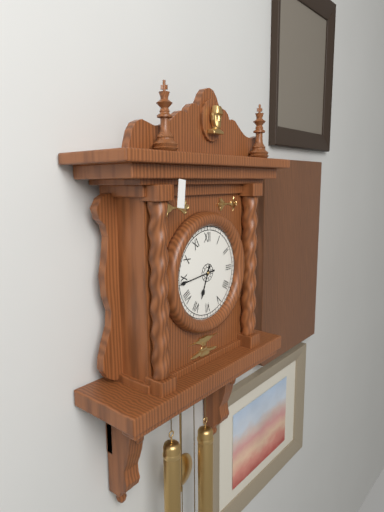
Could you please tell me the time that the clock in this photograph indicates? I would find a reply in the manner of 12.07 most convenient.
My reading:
6.44
